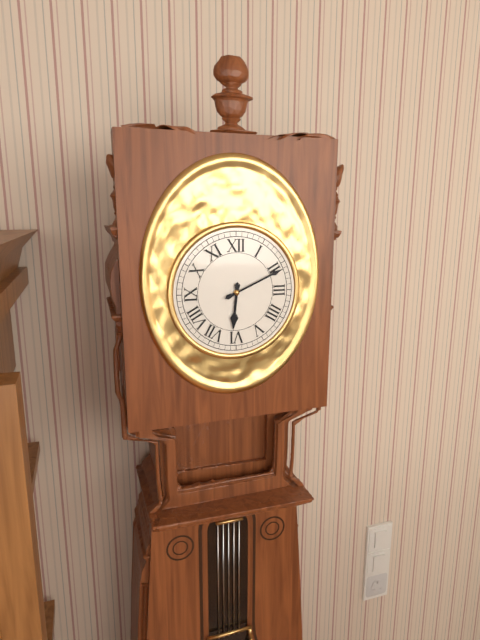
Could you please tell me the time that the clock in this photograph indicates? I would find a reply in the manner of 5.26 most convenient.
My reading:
6.11
